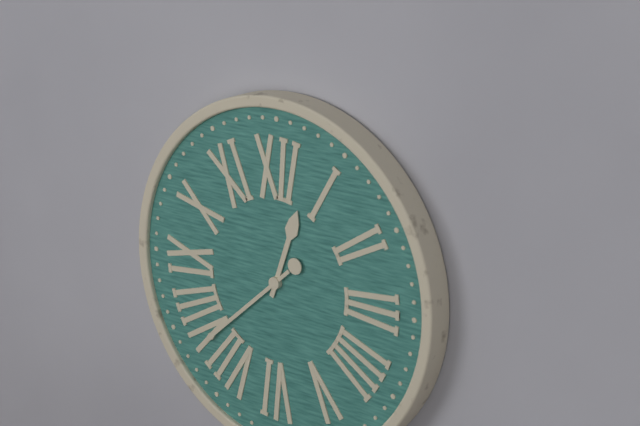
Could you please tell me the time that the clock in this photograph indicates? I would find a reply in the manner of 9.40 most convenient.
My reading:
12.38
